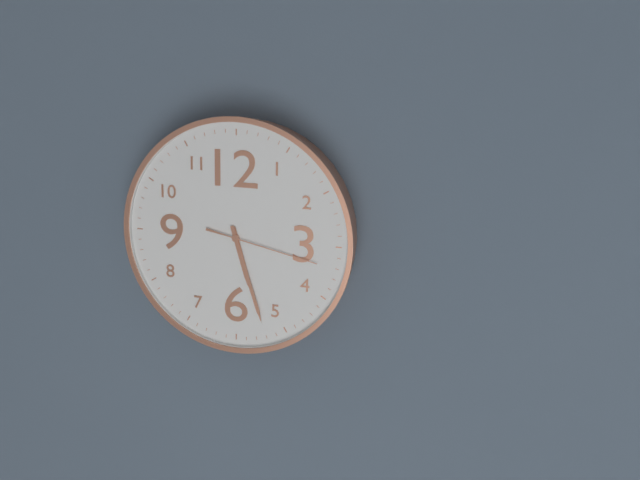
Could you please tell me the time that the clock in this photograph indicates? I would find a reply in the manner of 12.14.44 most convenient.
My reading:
5.27.17
